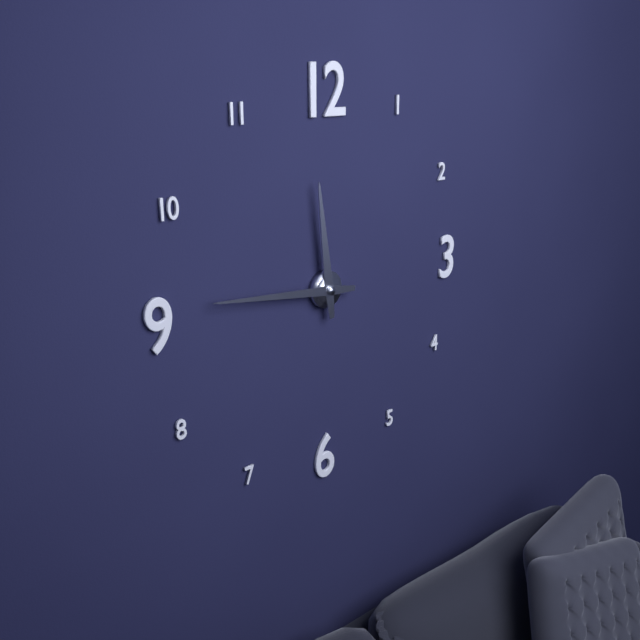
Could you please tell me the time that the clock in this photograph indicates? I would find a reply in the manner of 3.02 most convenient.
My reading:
11.46
